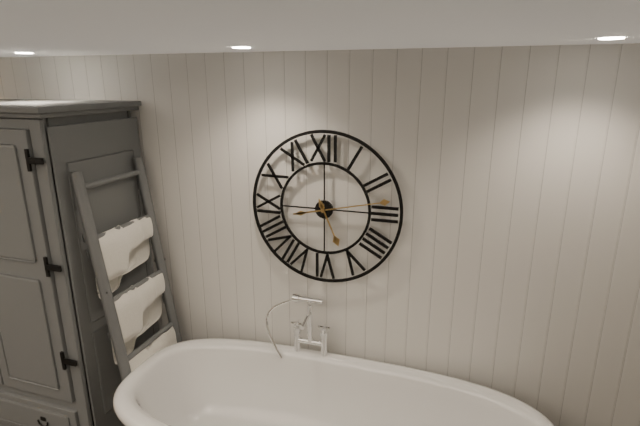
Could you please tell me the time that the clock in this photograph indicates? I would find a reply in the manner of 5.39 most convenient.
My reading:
5.13
